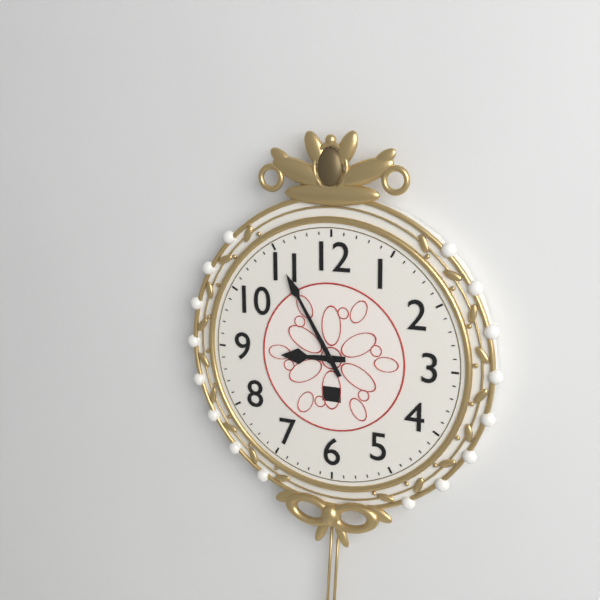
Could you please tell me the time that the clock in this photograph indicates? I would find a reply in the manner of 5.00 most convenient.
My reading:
8.55
